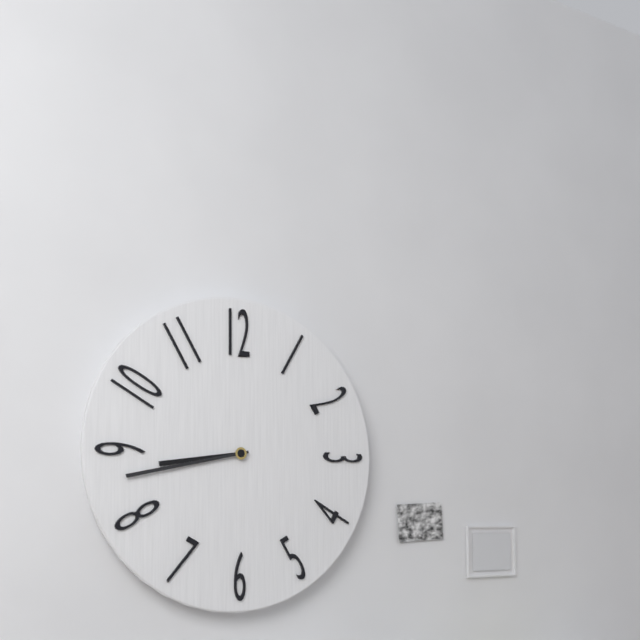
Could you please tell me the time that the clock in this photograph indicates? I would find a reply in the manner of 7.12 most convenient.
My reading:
8.43
